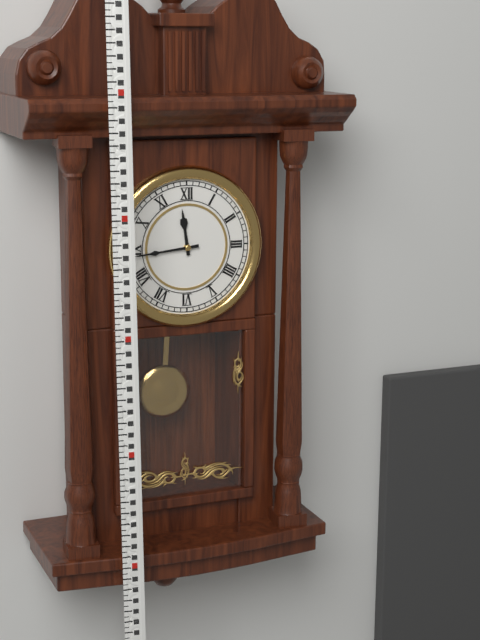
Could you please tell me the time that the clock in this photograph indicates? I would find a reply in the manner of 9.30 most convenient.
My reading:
11.44
